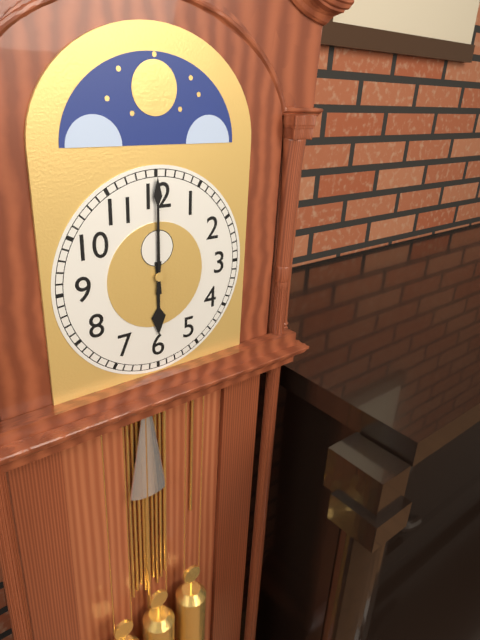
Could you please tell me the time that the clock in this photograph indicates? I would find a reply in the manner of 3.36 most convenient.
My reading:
6.00
